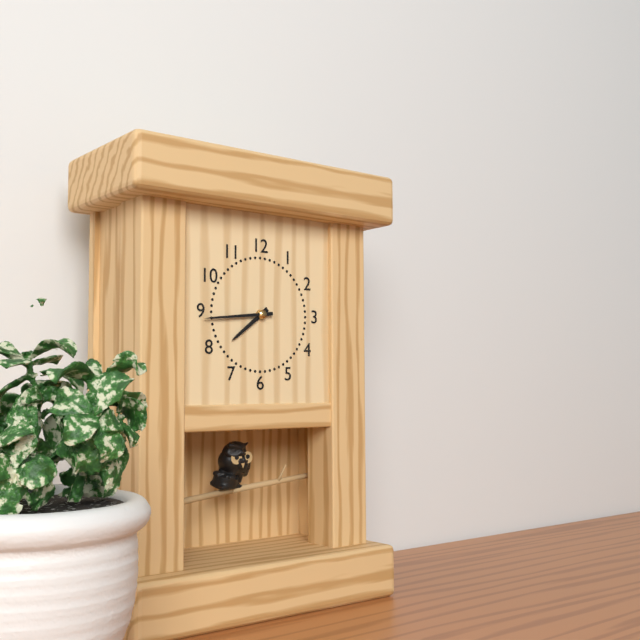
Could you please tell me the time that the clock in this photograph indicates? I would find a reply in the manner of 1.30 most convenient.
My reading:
7.44
